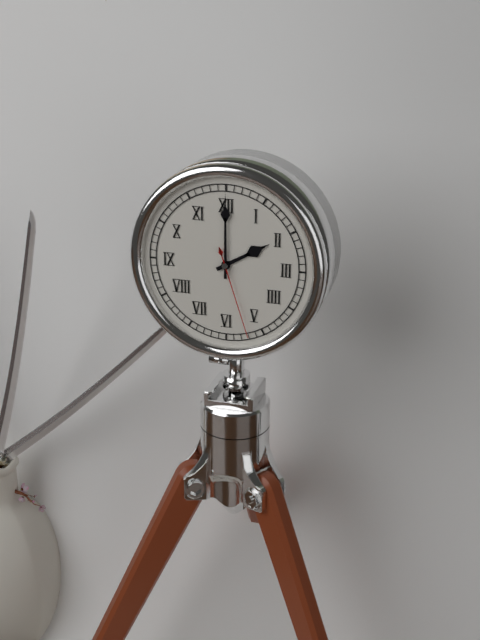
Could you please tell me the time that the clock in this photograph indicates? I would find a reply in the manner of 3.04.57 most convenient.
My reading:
2.00.27
